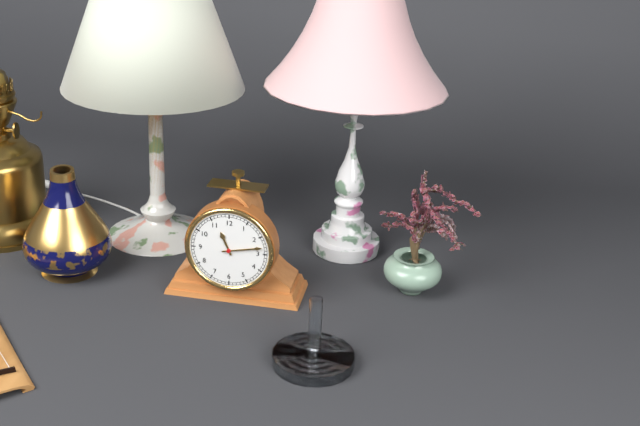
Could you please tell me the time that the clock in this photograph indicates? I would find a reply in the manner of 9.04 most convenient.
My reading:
11.13
